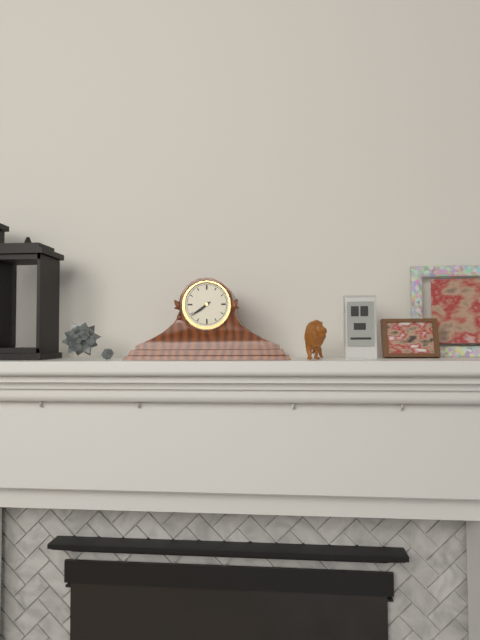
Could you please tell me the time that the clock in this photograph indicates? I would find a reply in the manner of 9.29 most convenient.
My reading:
7.39
